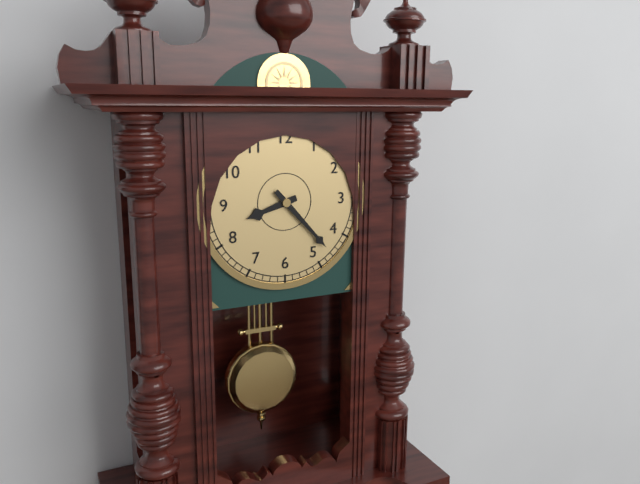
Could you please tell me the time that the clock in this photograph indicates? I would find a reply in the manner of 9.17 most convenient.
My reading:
8.23
